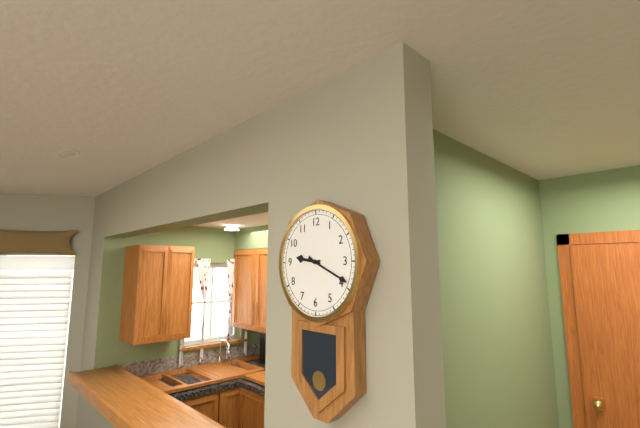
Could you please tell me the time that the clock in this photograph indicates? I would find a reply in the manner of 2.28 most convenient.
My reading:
9.19
